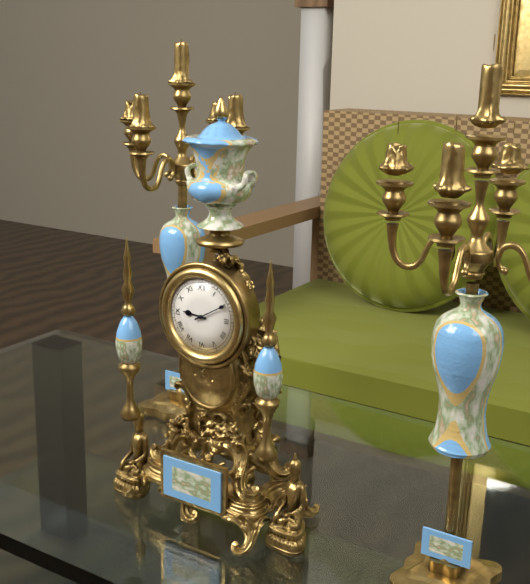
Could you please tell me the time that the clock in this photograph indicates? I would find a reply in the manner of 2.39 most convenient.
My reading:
9.10
